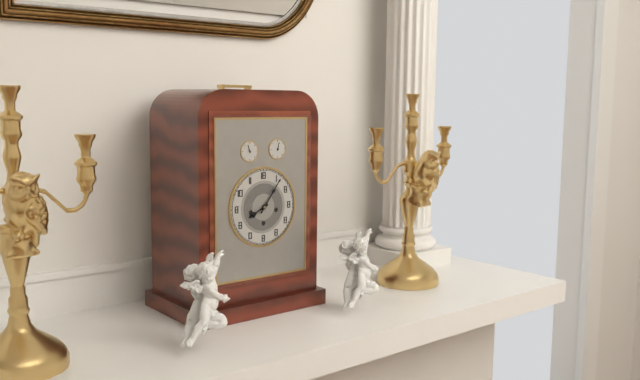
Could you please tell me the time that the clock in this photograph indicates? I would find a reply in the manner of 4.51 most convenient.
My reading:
8.06
